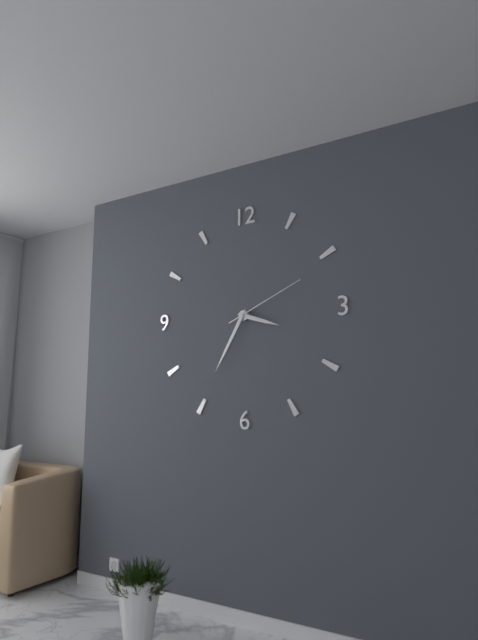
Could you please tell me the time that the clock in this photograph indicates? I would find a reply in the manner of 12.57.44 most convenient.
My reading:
3.35.11
